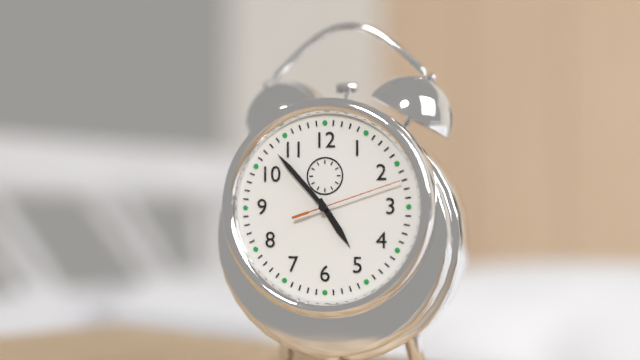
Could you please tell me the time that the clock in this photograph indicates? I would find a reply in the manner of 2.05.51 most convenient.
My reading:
4.53.12
